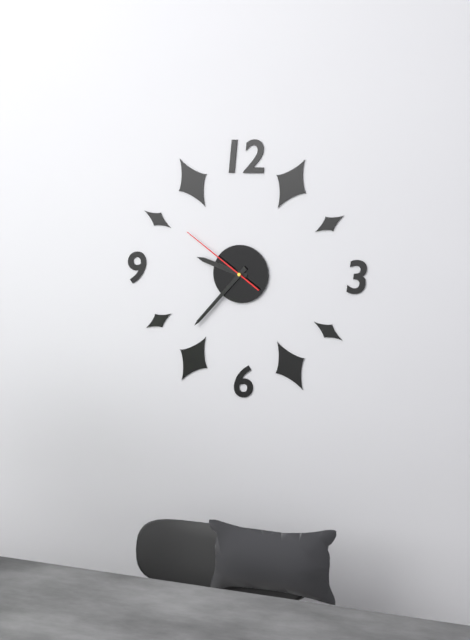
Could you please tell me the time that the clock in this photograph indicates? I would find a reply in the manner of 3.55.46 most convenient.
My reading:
9.37.51
